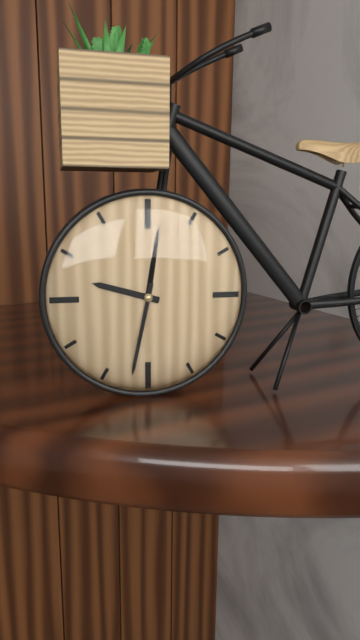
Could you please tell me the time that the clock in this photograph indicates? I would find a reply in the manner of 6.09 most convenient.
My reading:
9.32
